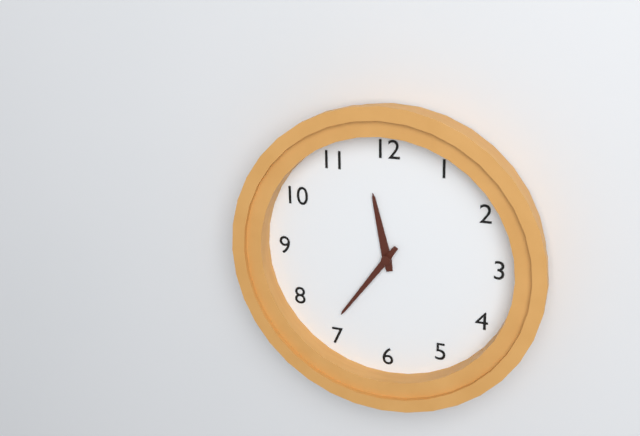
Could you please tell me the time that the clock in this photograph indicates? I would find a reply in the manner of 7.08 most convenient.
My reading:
11.36
